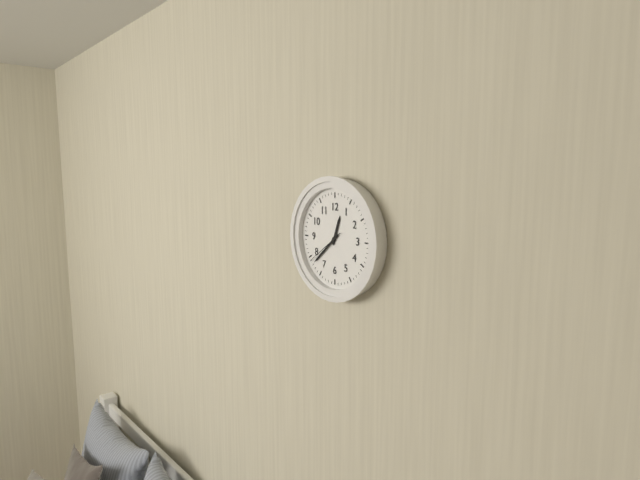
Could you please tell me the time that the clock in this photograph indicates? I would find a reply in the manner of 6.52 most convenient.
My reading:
12.38
